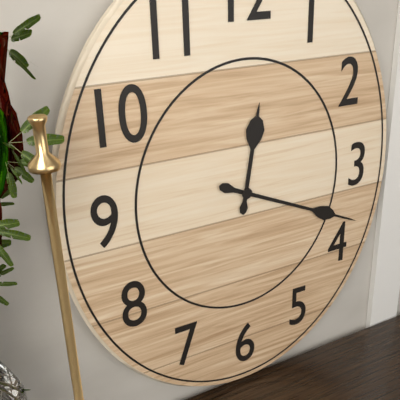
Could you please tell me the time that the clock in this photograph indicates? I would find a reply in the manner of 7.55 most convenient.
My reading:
12.19
